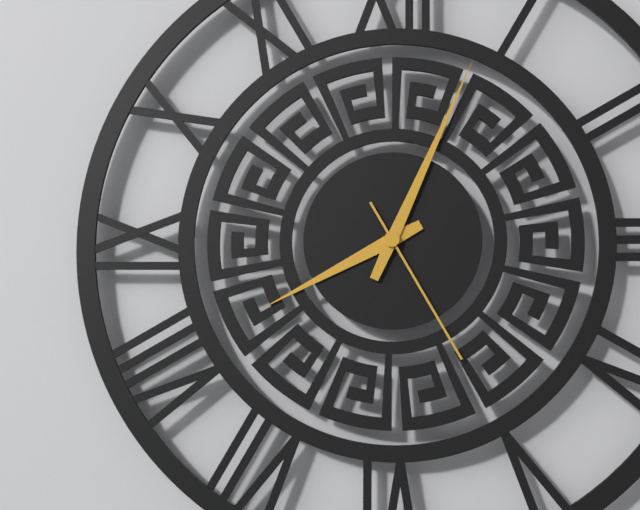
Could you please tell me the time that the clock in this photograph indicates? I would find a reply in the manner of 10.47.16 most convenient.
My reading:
8.04.25
